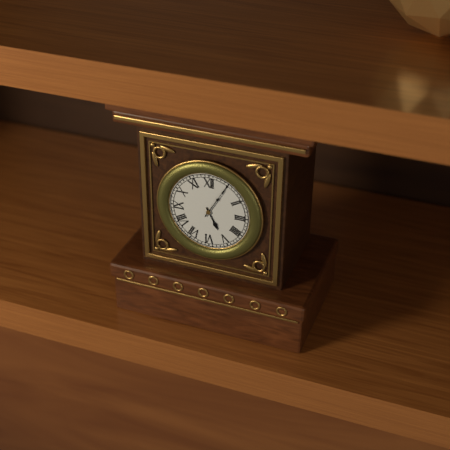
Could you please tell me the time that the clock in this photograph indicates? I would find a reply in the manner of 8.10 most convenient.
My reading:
5.05
